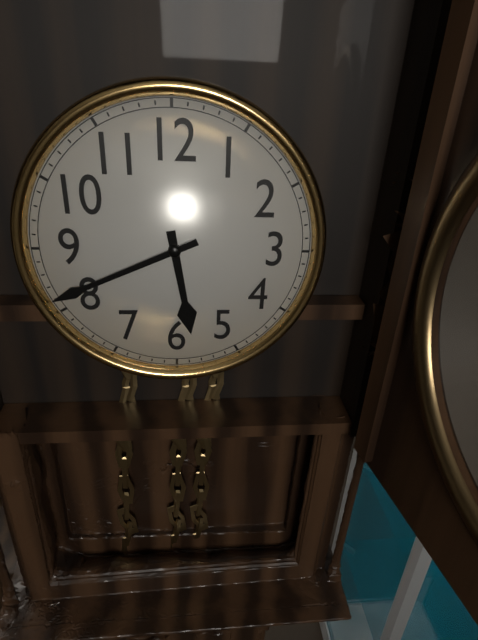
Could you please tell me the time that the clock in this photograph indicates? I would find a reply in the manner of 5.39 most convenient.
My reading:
5.41
